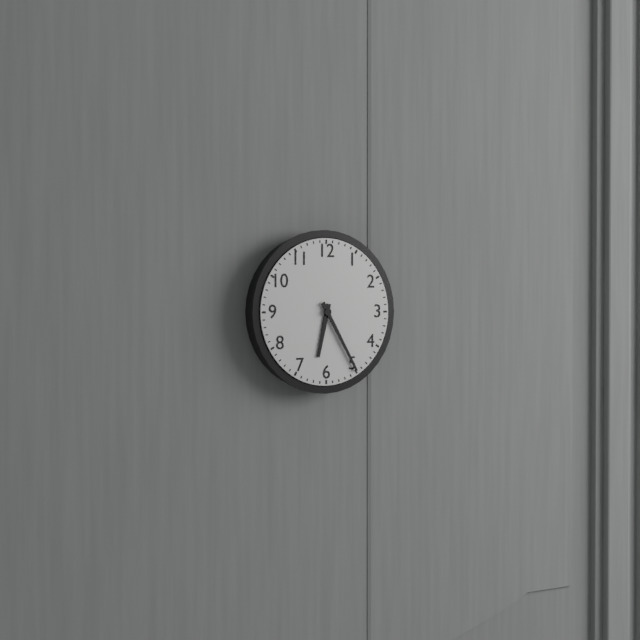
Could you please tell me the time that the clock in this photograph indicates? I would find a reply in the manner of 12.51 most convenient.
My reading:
6.25
